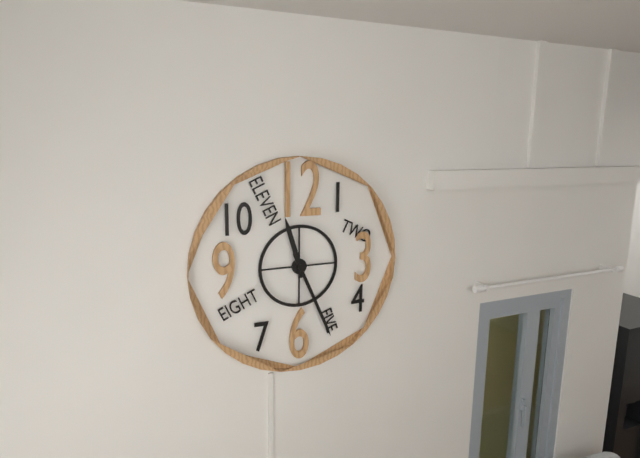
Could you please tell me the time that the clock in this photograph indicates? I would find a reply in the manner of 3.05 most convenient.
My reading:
11.26
